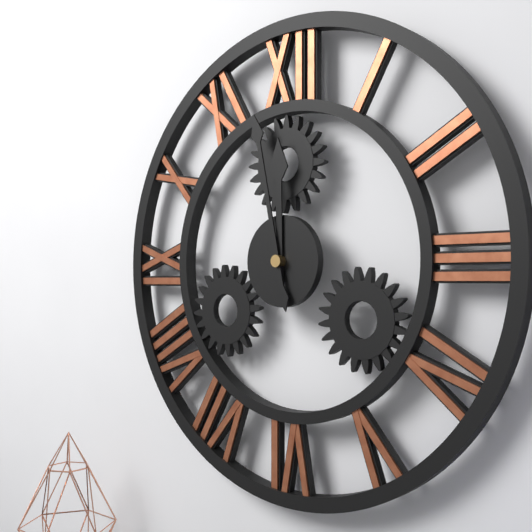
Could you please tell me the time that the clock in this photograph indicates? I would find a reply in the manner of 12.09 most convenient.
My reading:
11.58
